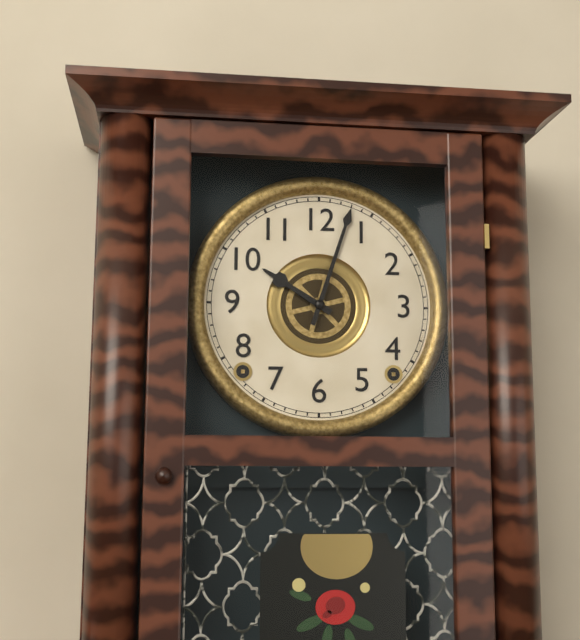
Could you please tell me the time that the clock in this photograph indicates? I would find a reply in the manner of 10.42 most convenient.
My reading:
10.03
